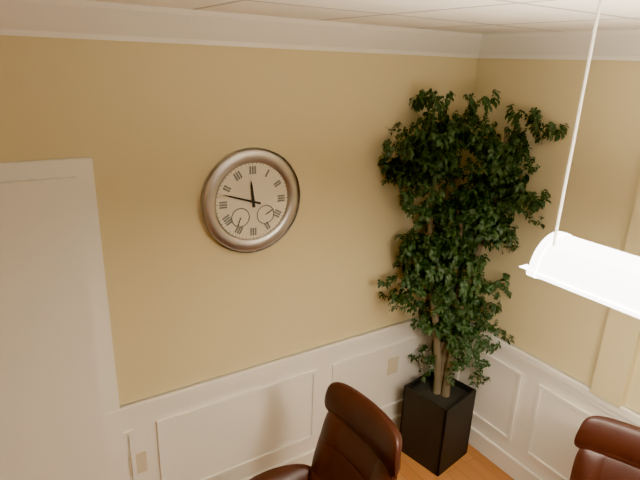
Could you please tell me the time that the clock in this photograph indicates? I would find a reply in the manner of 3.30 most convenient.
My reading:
11.48
